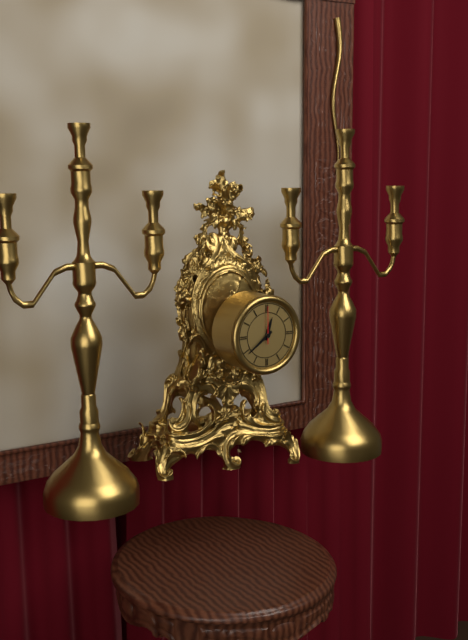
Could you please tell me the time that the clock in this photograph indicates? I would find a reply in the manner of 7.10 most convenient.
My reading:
12.39
